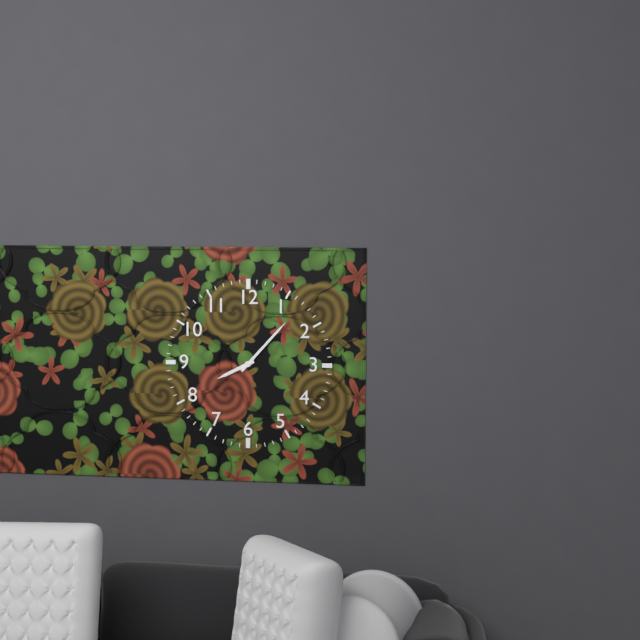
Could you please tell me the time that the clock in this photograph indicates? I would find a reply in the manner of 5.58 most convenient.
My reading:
8.07
